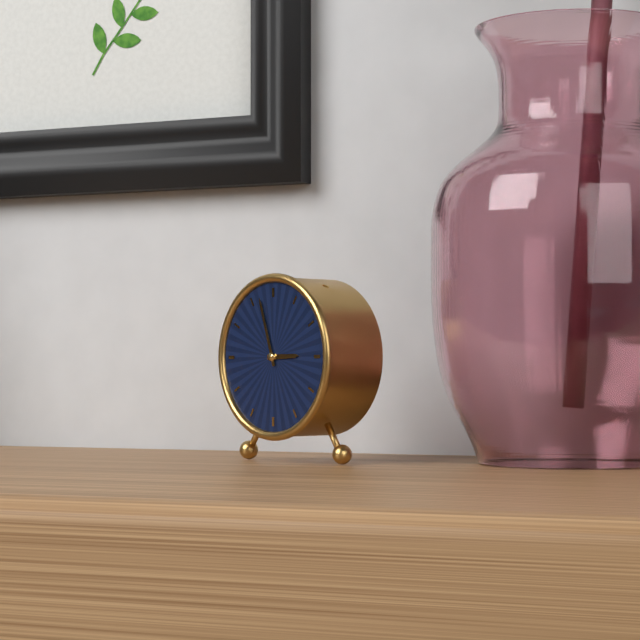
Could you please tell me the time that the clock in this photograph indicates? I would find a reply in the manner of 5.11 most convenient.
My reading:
2.57
